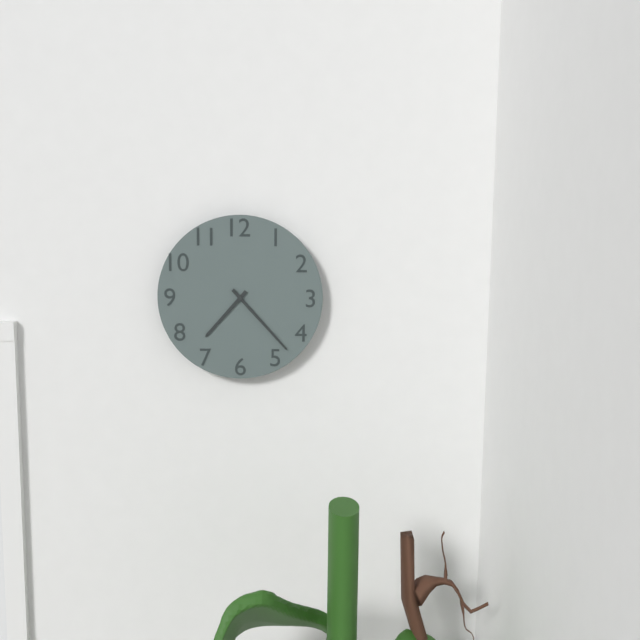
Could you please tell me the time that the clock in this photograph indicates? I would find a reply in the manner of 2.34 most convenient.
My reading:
7.23
